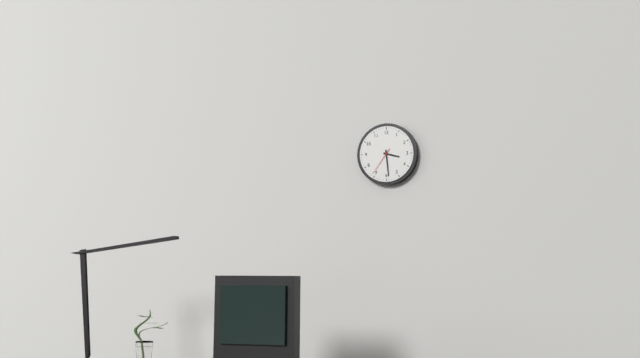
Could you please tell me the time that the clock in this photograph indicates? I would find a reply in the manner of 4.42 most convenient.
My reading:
3.29
